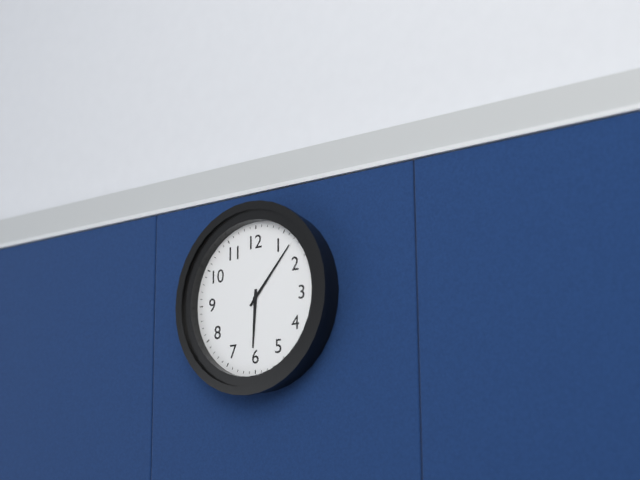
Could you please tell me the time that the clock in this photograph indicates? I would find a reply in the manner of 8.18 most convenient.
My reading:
6.07
